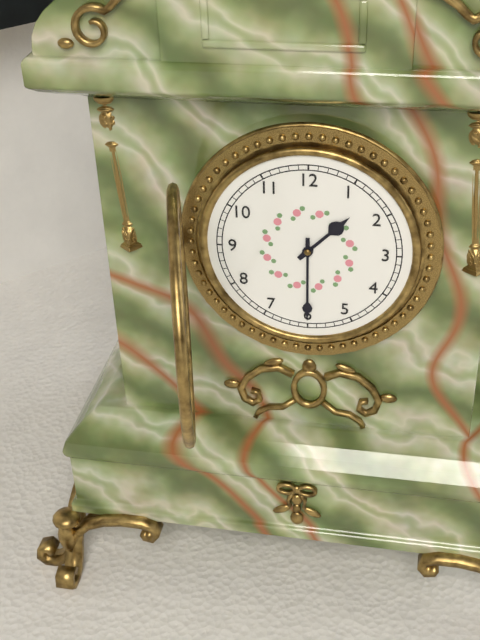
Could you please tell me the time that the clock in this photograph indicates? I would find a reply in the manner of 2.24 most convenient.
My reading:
1.30
